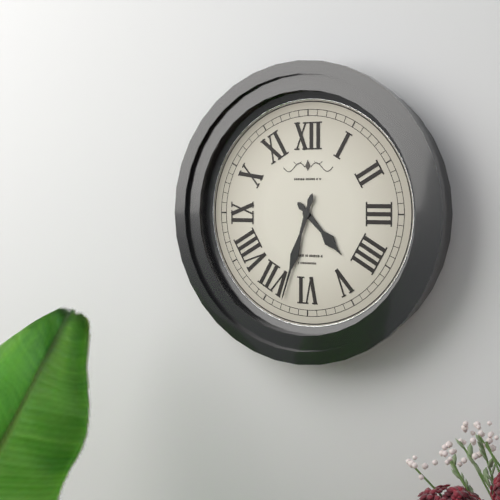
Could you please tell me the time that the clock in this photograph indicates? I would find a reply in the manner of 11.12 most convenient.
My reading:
4.33
